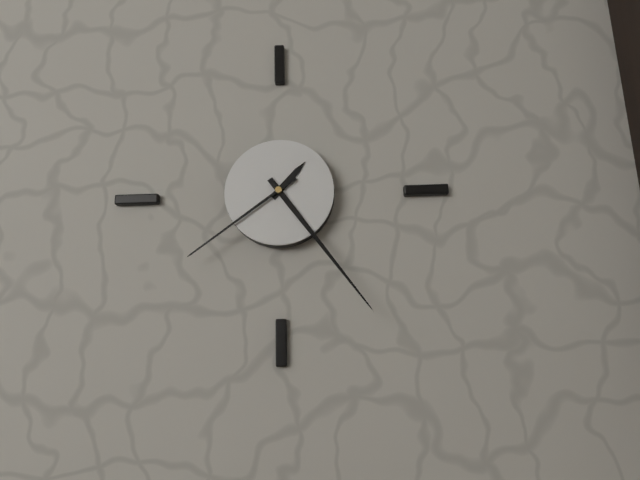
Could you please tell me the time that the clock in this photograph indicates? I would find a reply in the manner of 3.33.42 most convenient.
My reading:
1.24.39
